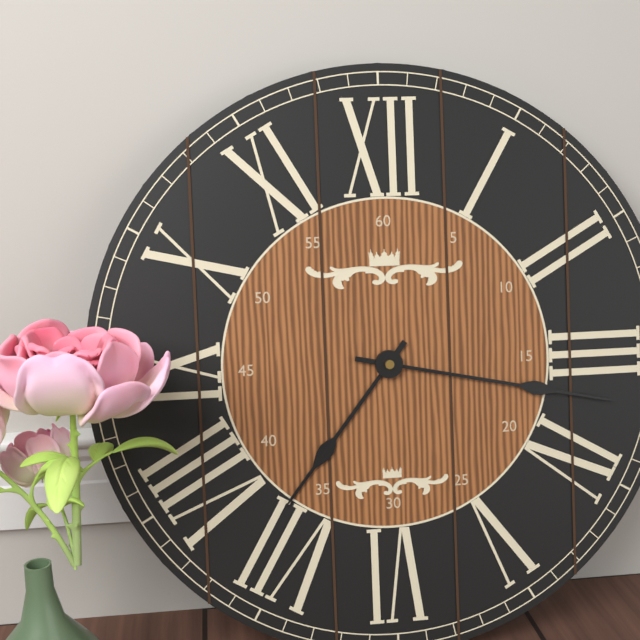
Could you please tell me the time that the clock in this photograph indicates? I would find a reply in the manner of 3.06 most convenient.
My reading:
7.17
